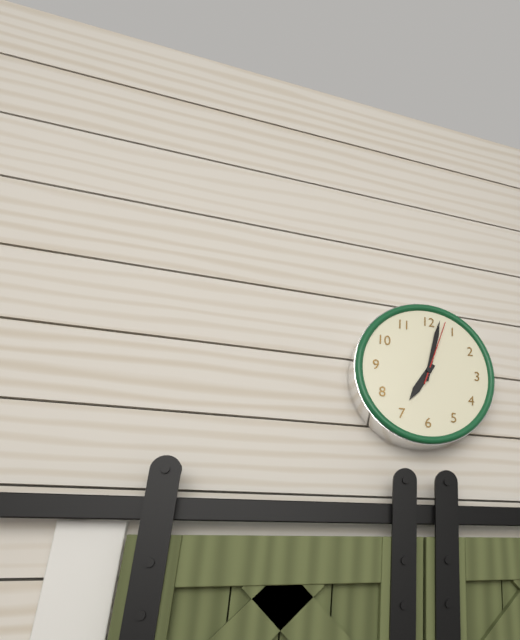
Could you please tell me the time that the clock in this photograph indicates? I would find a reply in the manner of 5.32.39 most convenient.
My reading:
7.02.03
